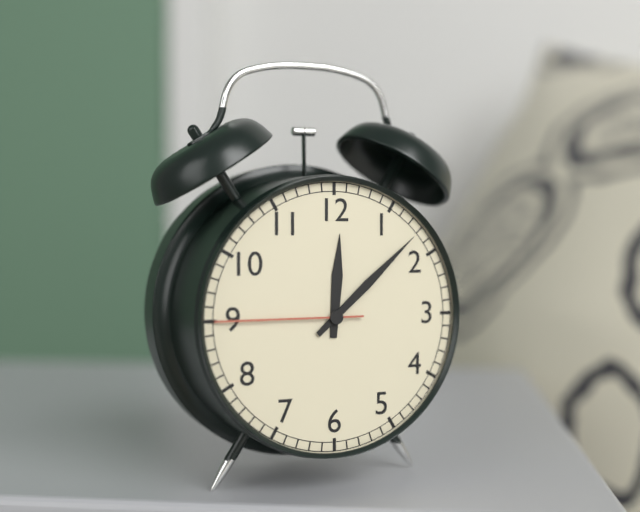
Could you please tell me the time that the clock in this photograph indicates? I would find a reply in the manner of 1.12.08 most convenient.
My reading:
12.08.45
